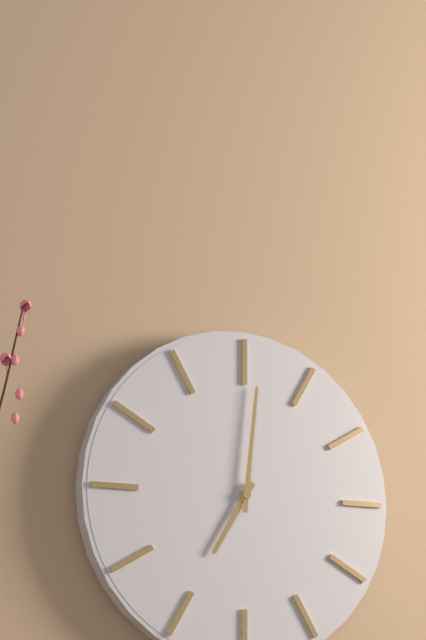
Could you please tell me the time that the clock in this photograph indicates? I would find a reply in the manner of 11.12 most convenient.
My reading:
7.01
